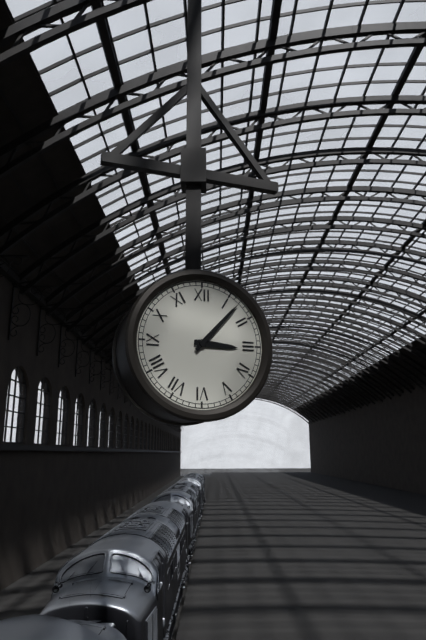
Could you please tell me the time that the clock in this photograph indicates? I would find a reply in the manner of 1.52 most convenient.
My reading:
3.07
